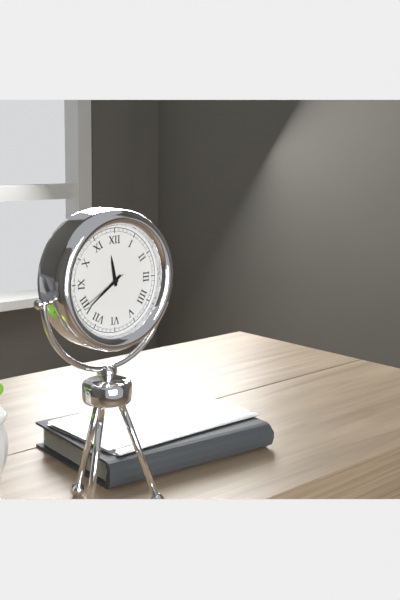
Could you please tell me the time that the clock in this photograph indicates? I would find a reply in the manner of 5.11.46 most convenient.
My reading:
11.39.40
